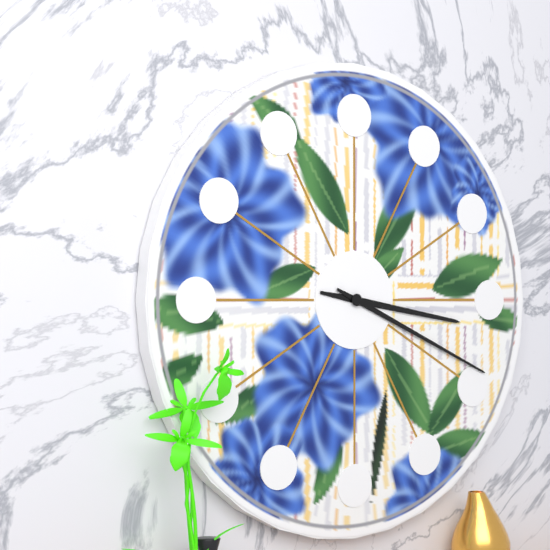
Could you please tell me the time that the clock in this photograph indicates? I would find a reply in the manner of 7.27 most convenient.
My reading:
3.19
